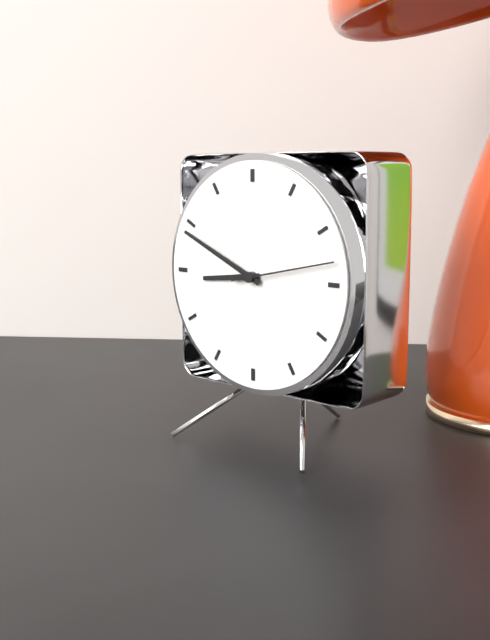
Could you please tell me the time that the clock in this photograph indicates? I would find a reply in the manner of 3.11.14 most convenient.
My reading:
8.49.13
